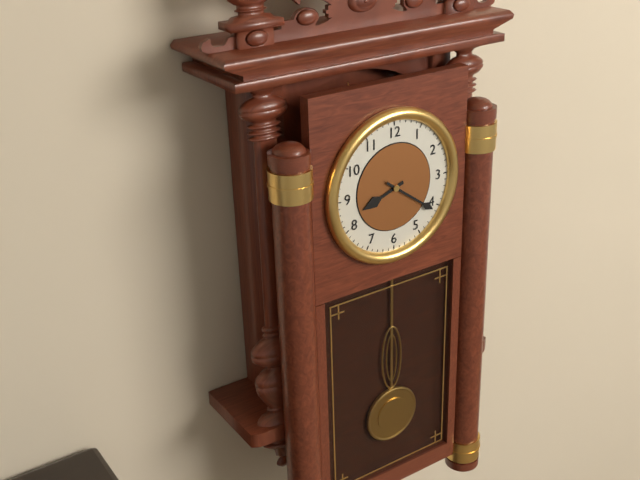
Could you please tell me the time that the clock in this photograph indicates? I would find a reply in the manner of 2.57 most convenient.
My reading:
8.21
